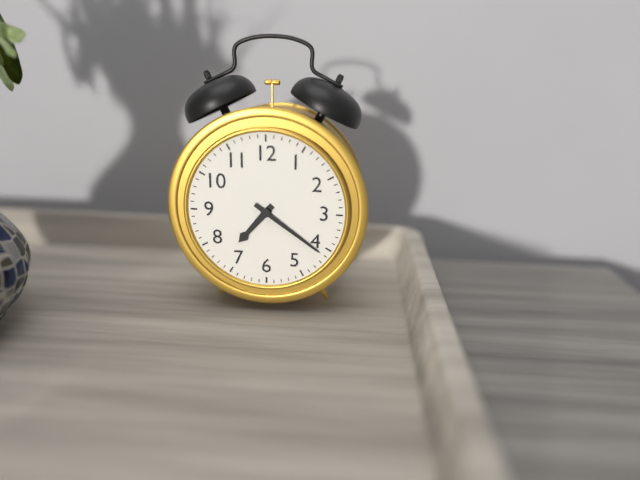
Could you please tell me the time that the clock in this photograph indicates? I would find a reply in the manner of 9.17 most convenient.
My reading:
7.21
